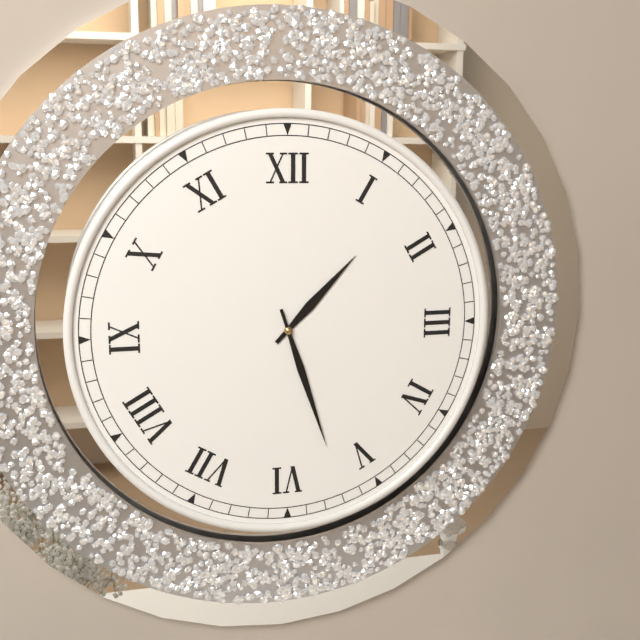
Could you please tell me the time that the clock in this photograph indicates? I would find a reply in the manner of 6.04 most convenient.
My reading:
1.27
